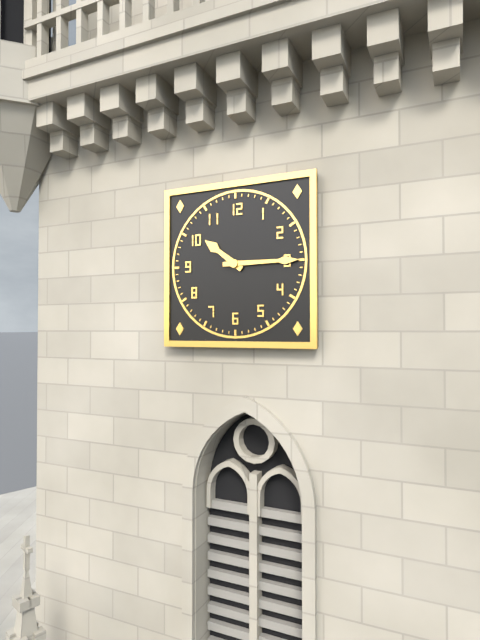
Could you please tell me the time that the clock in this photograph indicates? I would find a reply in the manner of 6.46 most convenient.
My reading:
10.15
